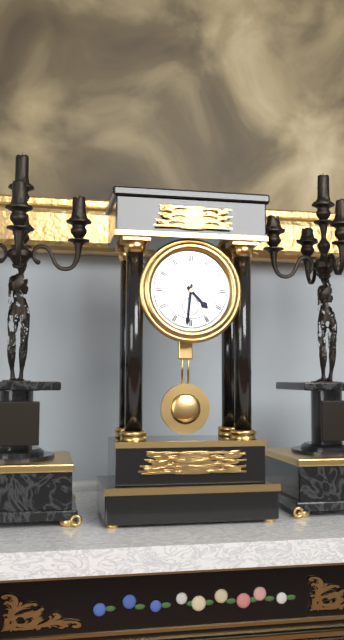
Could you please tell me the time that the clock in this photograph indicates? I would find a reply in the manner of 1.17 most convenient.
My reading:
4.31
